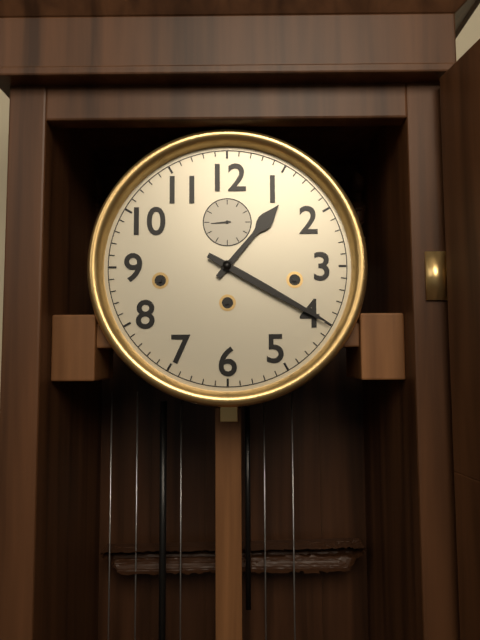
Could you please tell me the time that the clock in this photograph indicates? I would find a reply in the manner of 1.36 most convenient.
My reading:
1.20
